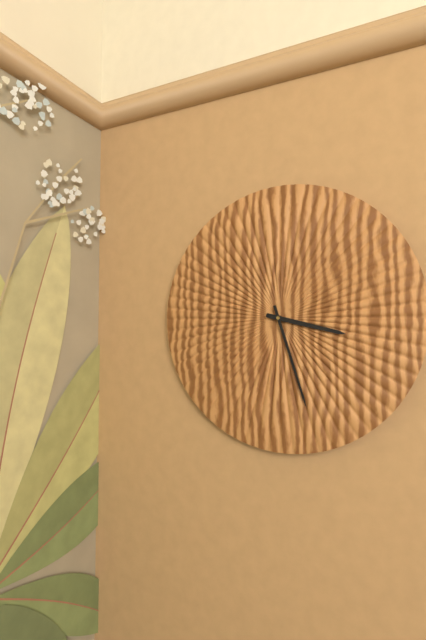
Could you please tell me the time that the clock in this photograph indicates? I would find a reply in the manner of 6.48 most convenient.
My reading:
3.27
